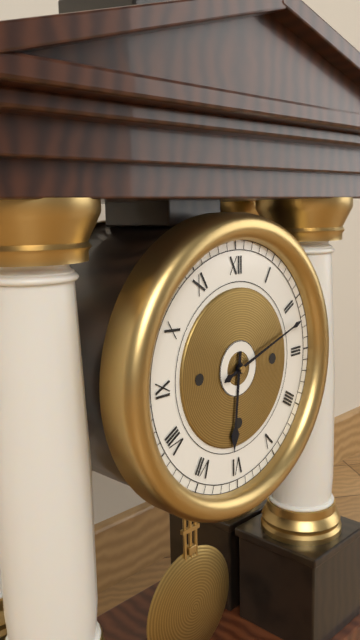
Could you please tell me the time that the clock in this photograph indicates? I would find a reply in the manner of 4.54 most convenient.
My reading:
6.12
